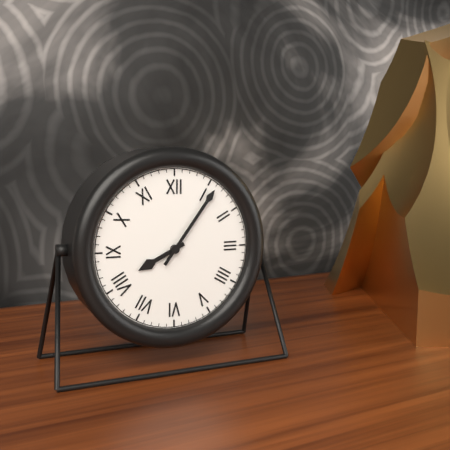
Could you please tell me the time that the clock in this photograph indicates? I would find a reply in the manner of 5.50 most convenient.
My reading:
8.06
